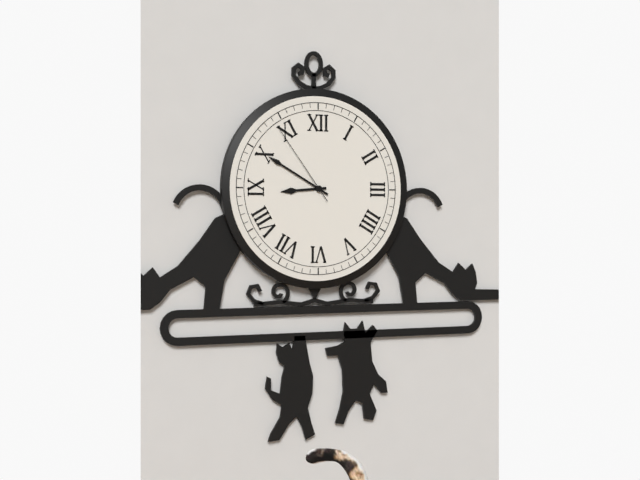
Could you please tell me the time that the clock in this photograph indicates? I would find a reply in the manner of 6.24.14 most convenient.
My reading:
8.50.54
